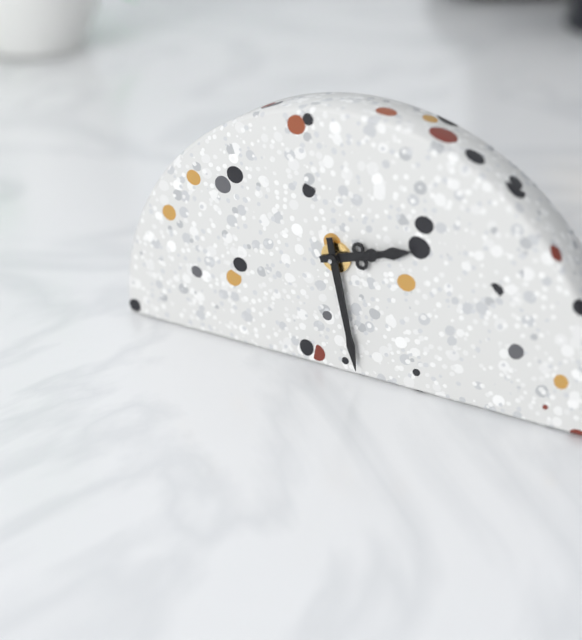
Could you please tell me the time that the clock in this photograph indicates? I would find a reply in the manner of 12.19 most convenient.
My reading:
2.28
